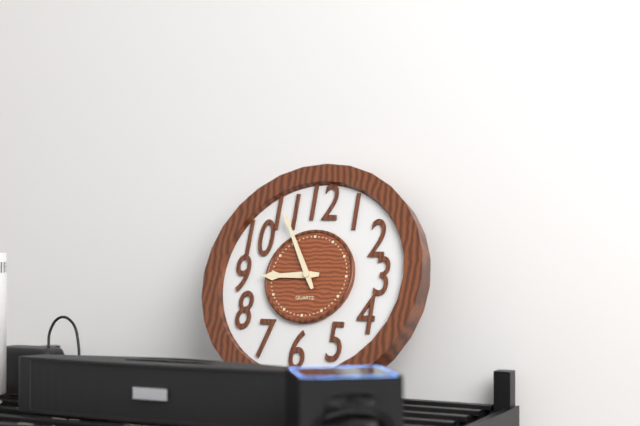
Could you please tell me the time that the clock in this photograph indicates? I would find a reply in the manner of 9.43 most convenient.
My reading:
8.55
